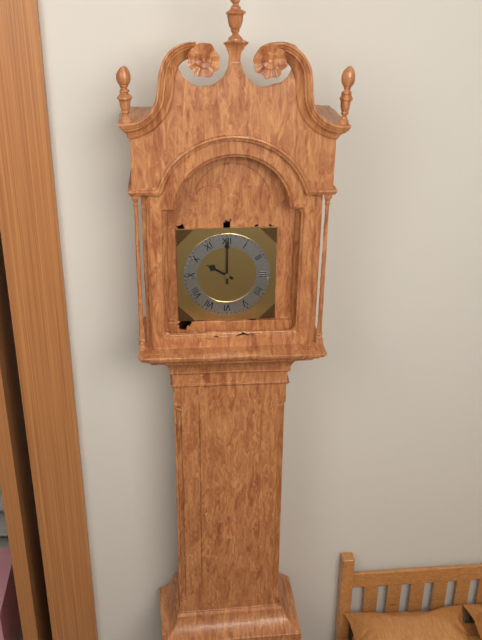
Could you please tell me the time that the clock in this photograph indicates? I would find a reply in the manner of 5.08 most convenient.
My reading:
10.00
